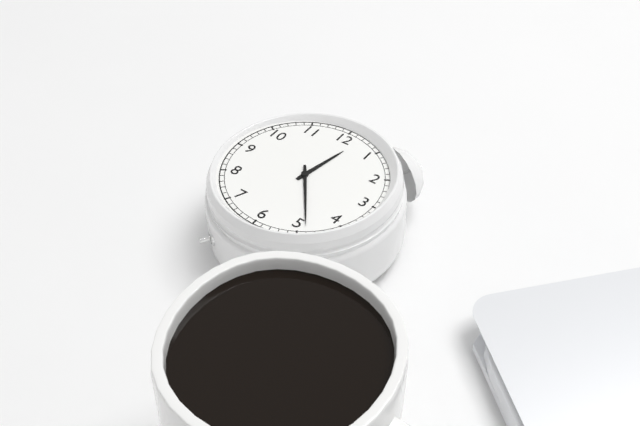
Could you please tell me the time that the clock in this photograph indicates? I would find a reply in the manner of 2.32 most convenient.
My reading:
12.24
